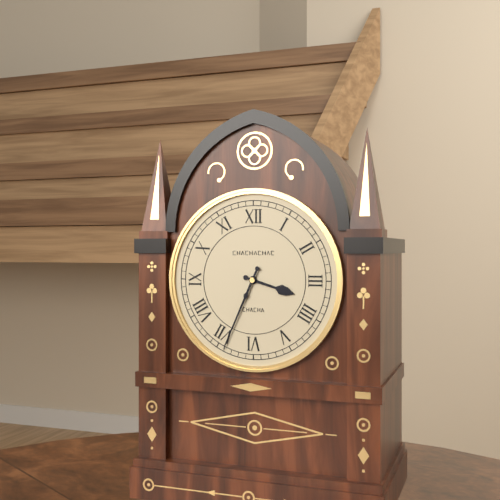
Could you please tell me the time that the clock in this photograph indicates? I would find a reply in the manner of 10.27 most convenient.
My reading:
3.34
